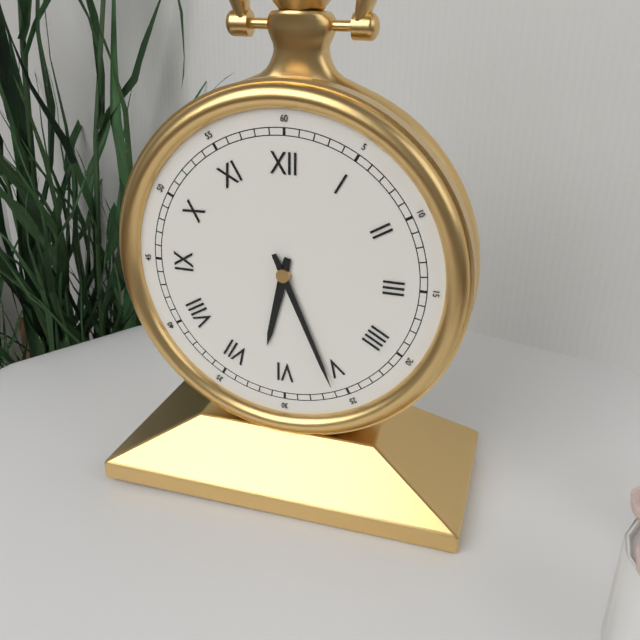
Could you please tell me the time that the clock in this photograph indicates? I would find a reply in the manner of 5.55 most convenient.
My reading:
6.26
